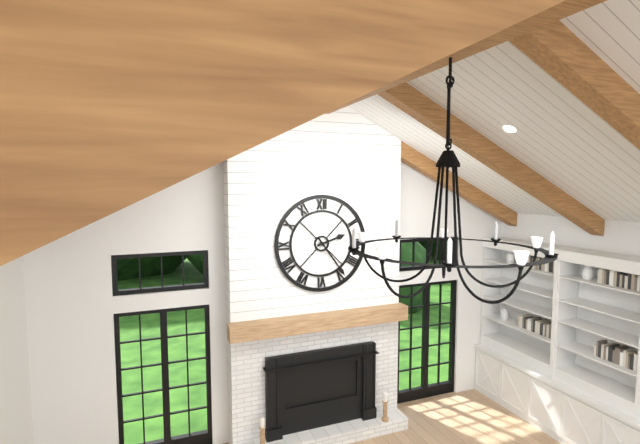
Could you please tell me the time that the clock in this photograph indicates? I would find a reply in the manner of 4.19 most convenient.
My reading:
2.24
